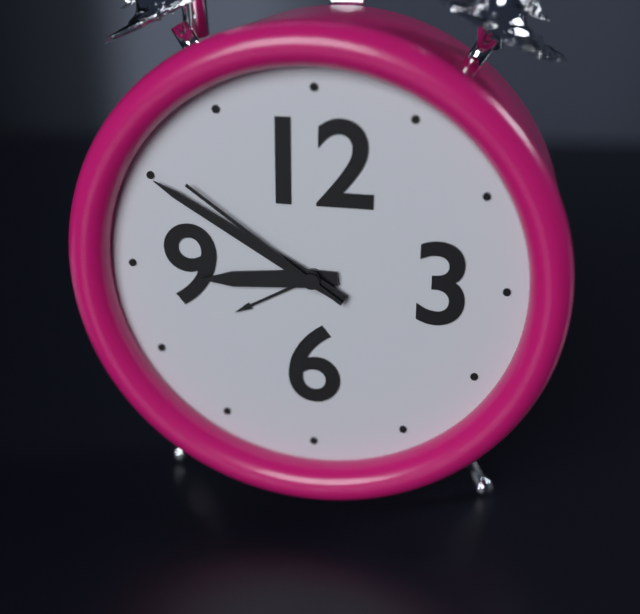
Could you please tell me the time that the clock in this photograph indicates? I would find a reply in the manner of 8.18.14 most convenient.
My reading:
8.50.51
